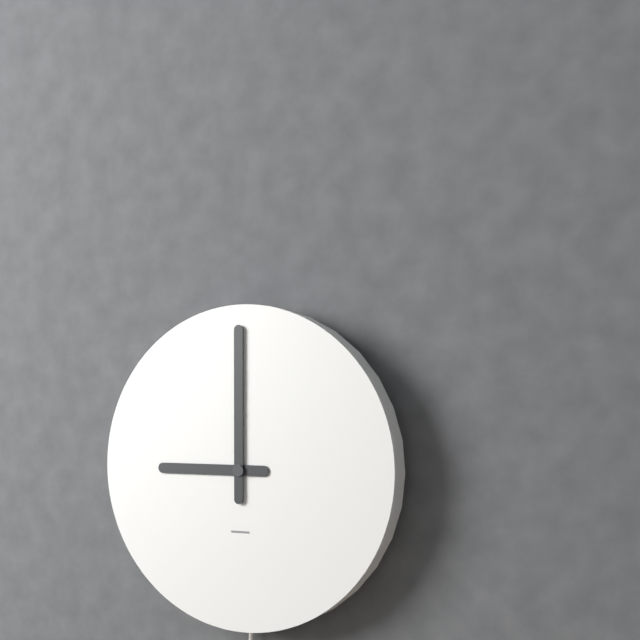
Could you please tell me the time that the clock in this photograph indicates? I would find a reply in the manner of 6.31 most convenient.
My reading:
9.00
